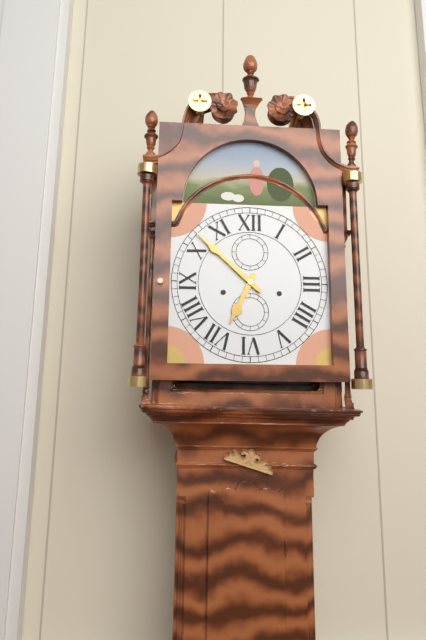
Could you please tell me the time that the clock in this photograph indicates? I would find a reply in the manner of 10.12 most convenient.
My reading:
6.52
